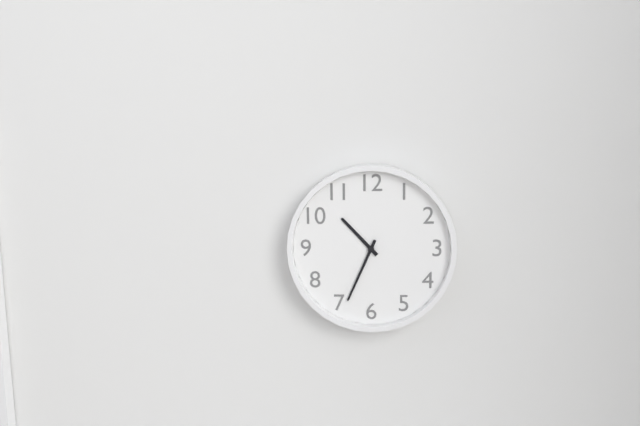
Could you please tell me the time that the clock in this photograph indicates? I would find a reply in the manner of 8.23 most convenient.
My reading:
10.34
